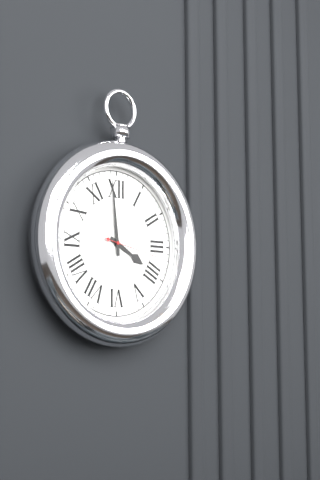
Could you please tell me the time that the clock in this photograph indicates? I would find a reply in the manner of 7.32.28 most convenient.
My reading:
3.59.17
